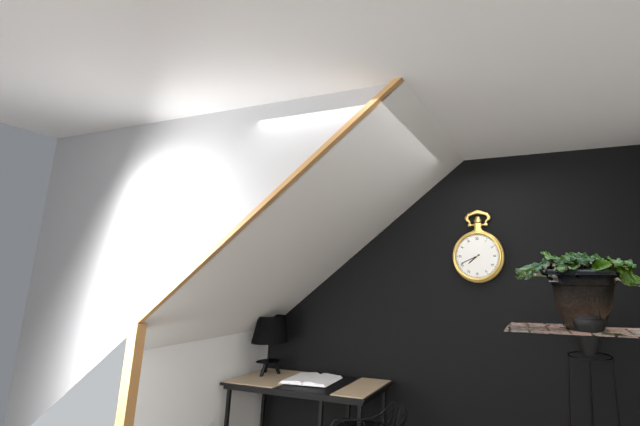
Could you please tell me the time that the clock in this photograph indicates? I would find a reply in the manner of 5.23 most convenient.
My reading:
7.41
